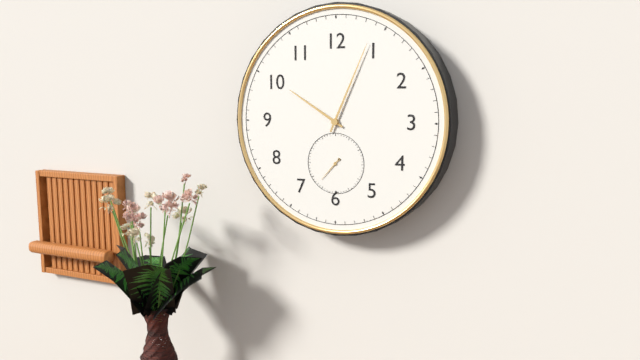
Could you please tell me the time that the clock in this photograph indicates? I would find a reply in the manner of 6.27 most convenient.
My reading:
10.04
